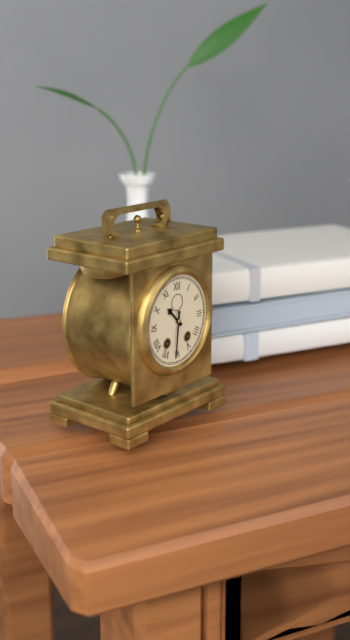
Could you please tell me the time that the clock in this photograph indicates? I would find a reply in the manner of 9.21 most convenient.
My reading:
10.31
